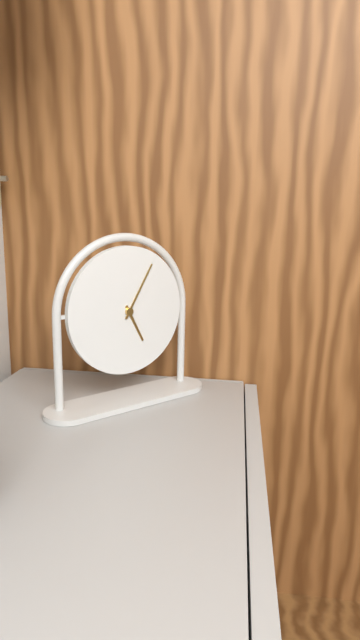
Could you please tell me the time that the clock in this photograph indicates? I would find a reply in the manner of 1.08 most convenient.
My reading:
5.05
